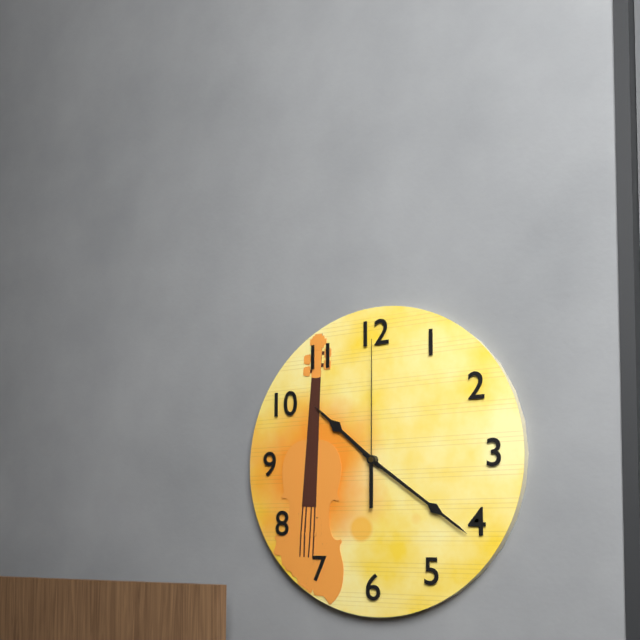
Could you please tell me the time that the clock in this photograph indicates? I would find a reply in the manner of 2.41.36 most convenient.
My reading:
10.21.00
